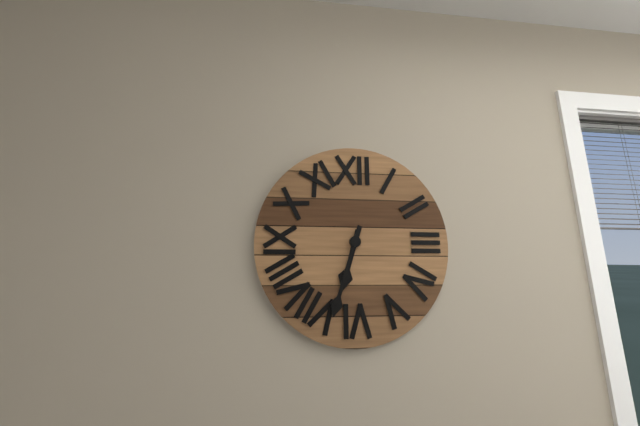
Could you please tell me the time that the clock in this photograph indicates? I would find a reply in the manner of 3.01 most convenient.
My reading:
6.33
